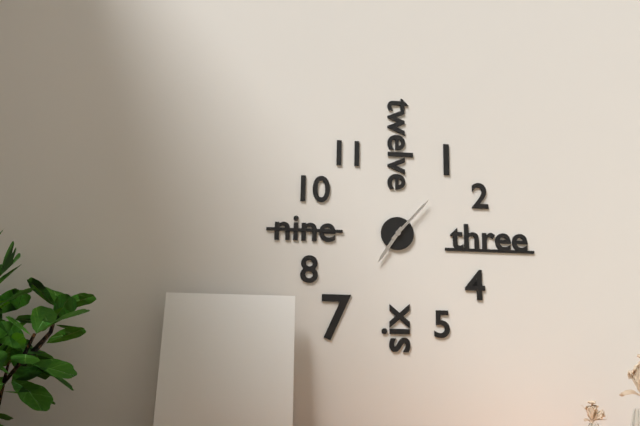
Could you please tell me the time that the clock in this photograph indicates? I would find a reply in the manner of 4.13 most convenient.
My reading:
7.07
